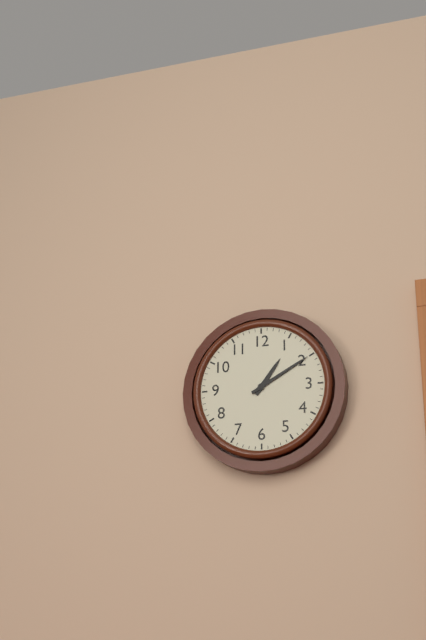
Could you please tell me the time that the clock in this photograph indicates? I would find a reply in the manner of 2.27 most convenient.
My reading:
1.10
